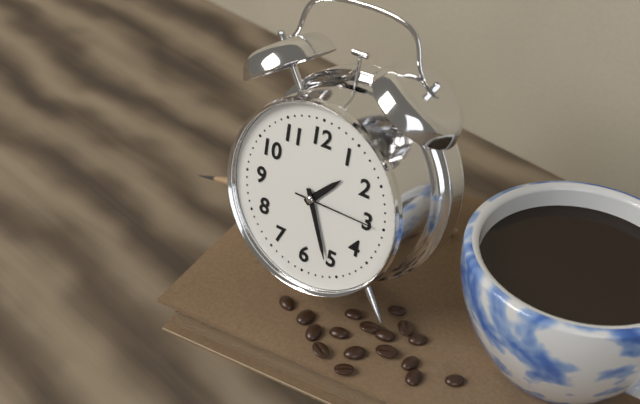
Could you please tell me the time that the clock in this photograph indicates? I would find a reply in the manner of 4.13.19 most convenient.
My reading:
1.26.15
